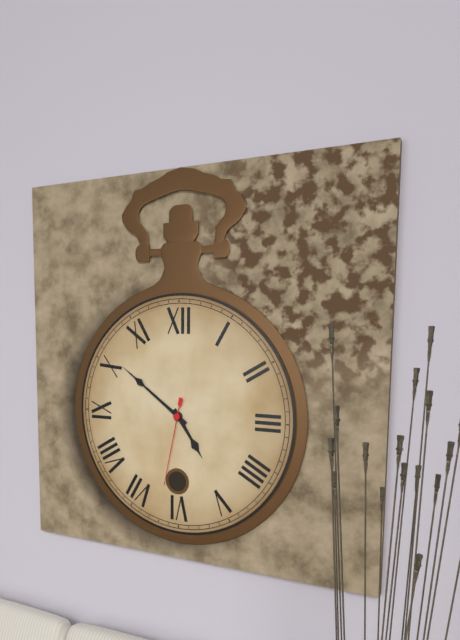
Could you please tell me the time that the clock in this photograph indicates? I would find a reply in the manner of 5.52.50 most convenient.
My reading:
4.51.32
